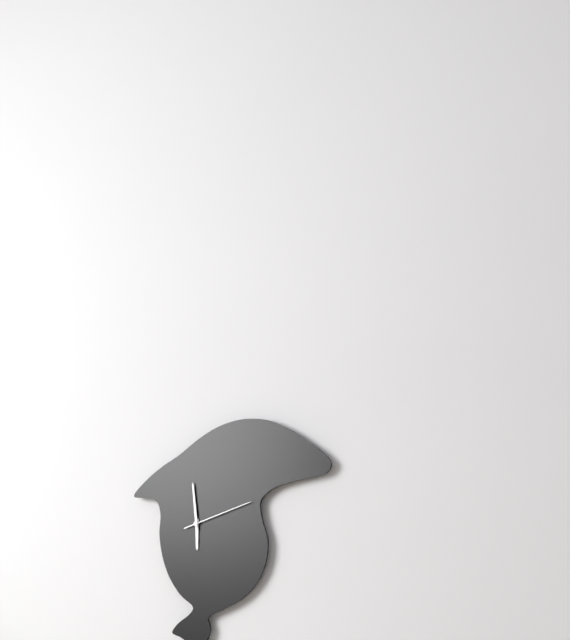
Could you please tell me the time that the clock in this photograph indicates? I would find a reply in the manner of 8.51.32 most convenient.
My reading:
5.59.12
